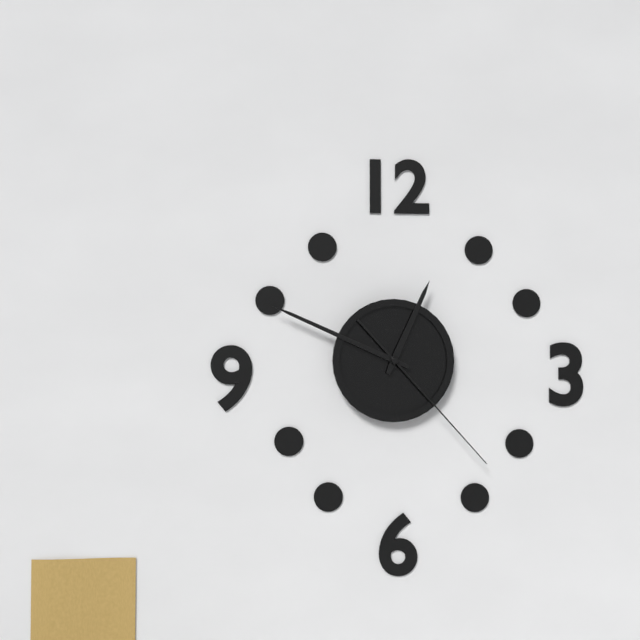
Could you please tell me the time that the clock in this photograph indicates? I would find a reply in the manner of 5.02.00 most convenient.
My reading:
12.49.23
